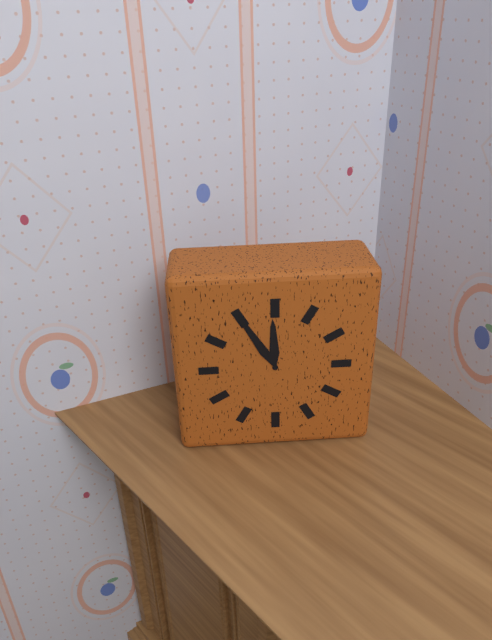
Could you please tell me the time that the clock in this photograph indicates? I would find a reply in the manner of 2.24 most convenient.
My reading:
11.55
